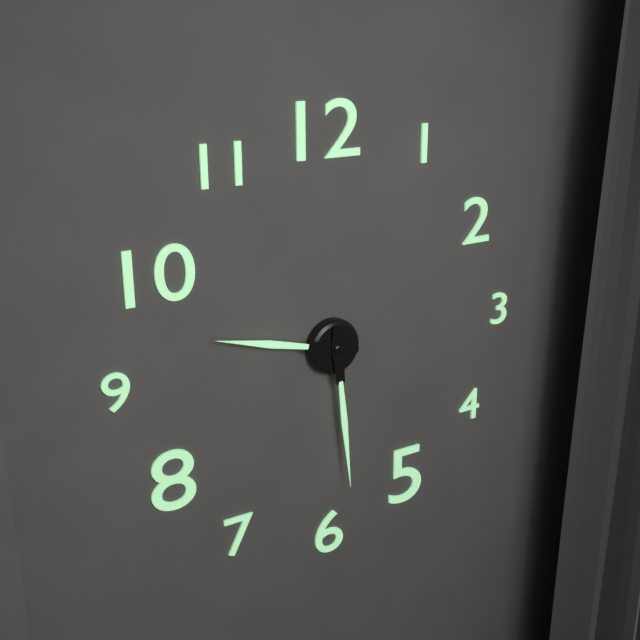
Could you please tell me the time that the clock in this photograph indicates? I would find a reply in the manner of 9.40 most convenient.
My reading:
9.29
